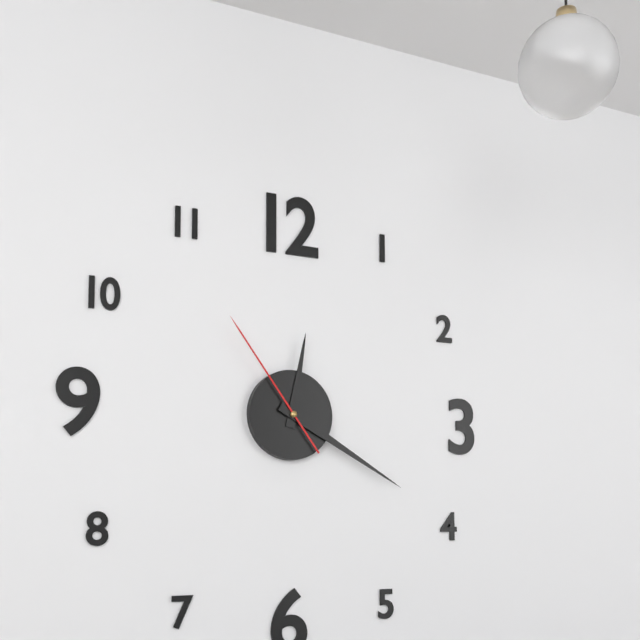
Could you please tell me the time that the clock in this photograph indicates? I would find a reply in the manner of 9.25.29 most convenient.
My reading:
12.20.54
